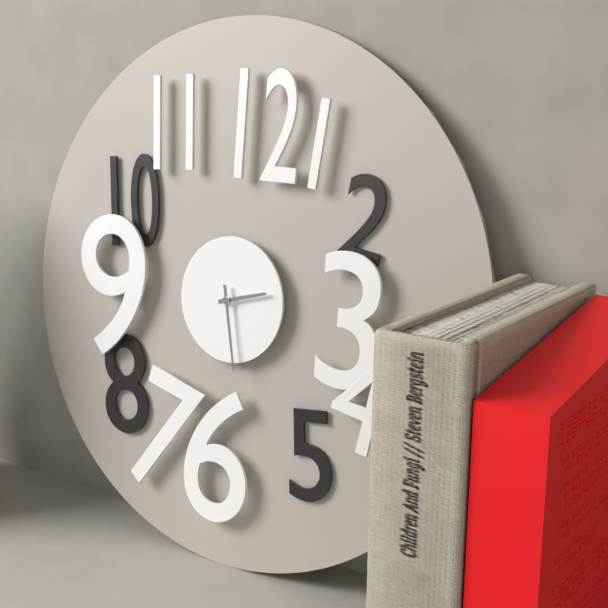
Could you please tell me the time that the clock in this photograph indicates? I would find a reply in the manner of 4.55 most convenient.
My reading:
2.28
